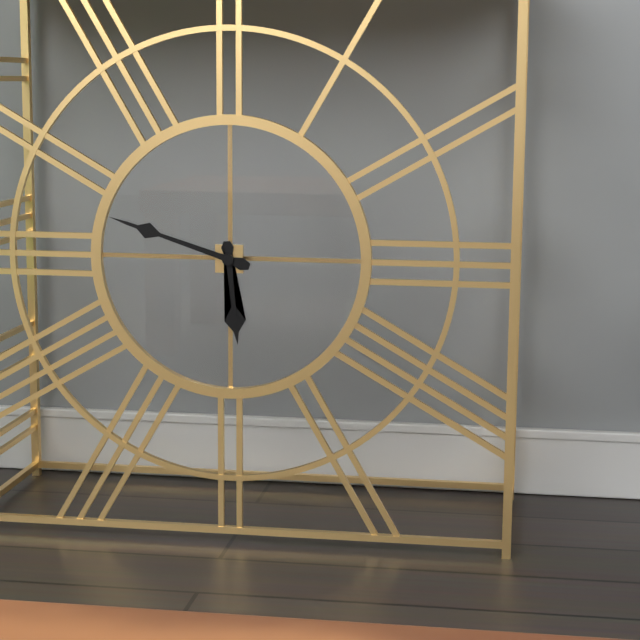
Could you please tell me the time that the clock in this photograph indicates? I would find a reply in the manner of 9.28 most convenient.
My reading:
5.48
